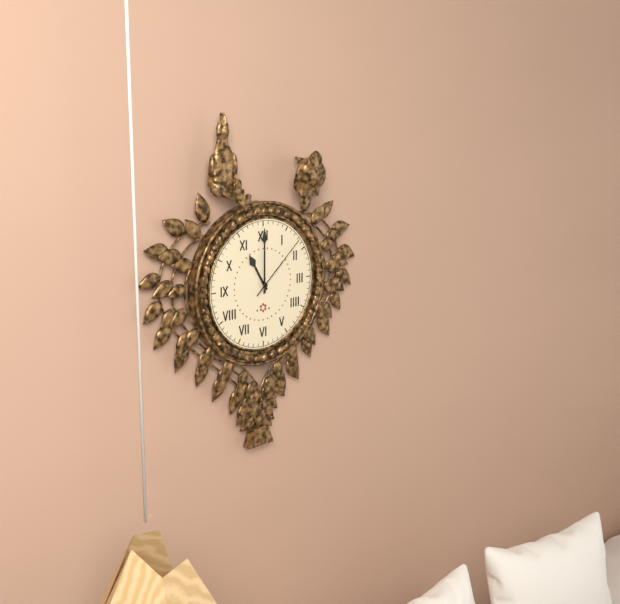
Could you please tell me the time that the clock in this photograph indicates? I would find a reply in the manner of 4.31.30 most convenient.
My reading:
11.00.08
